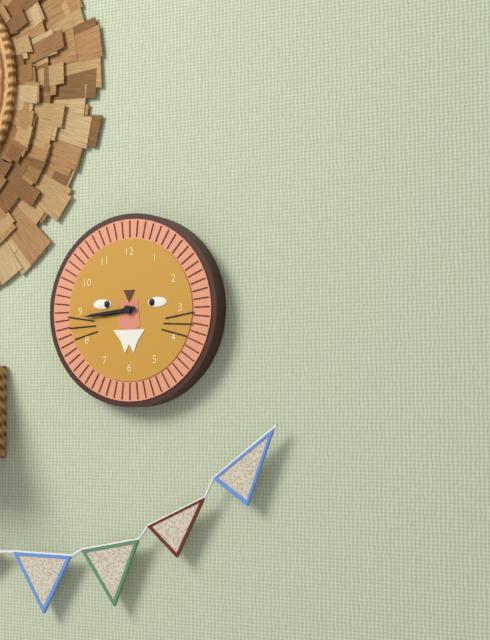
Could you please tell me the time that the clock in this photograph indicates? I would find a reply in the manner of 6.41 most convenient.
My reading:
8.44
